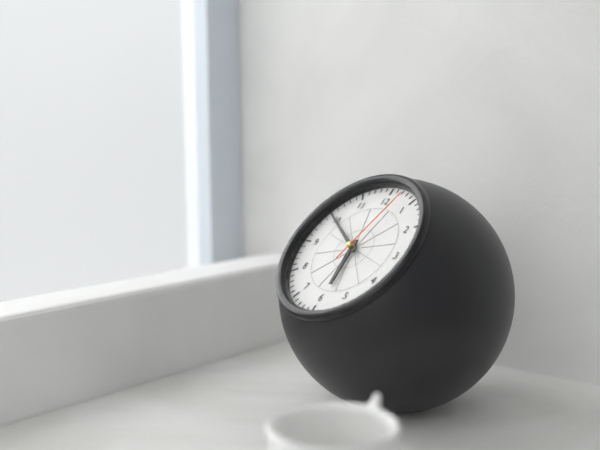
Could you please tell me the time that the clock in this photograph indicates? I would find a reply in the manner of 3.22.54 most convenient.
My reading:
5.50.03
